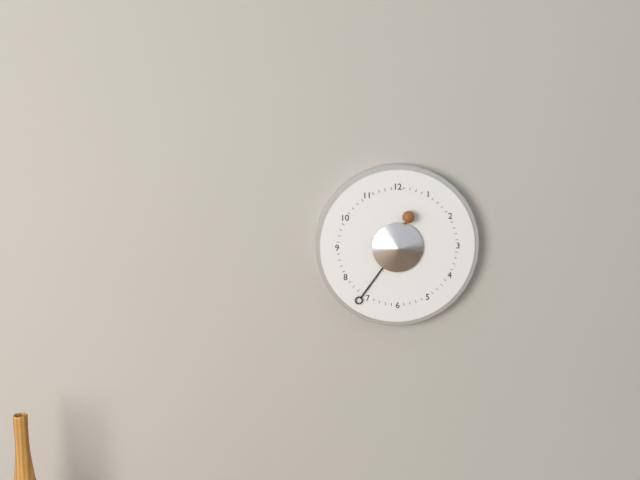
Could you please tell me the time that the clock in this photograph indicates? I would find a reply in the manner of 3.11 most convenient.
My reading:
12.36
